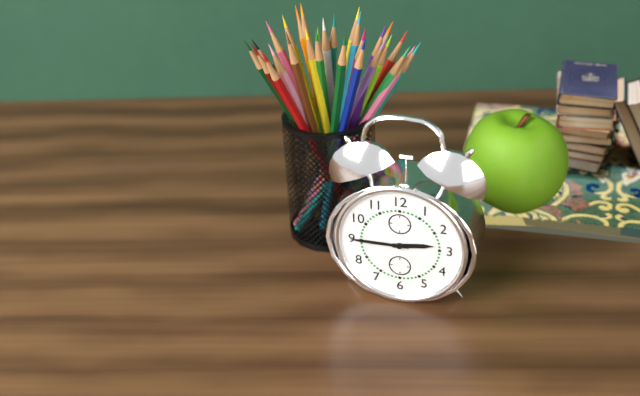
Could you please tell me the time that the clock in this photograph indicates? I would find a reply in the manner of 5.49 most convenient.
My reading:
2.45
